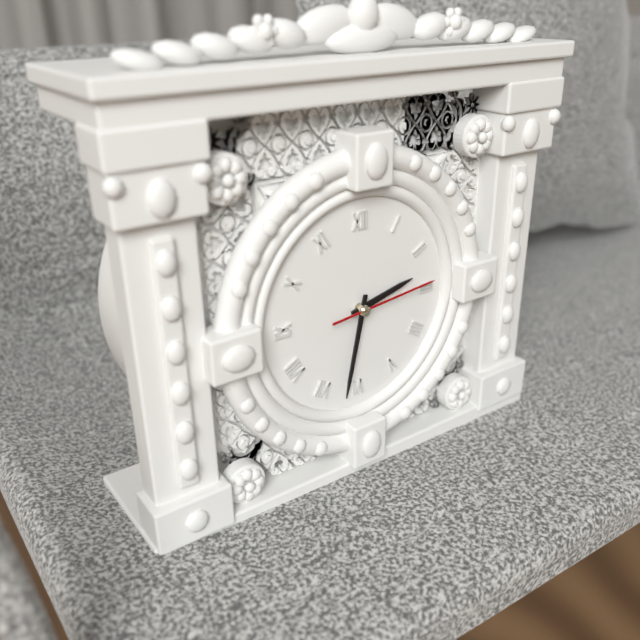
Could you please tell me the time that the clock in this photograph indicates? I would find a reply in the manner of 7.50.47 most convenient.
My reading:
2.32.14
